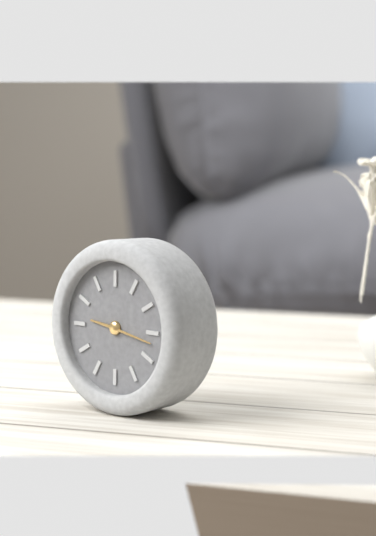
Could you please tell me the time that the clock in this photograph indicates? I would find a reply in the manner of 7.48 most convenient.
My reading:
9.17
